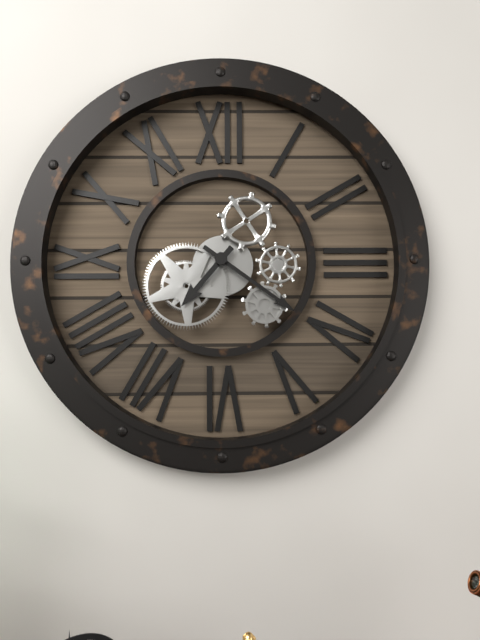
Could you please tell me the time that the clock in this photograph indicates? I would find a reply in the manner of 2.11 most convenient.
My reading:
7.21
